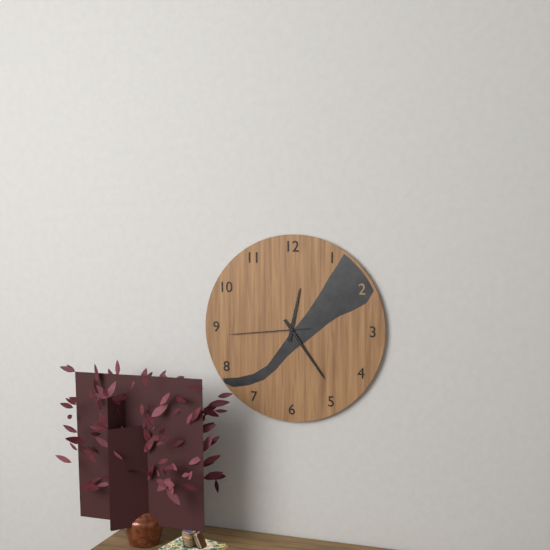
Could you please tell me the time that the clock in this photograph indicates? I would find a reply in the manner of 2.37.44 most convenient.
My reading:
12.24.44
